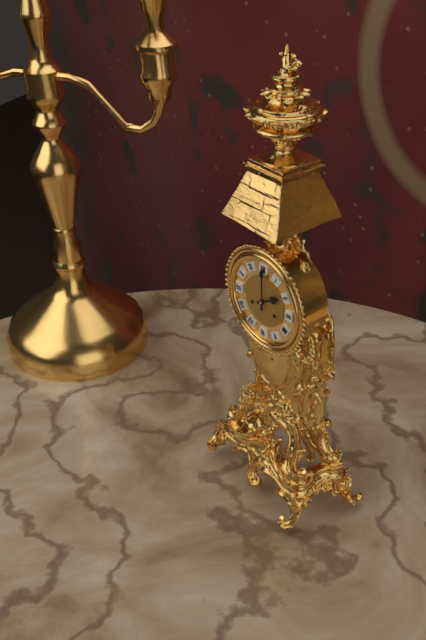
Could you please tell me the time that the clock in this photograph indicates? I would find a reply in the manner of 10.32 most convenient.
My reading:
2.00
